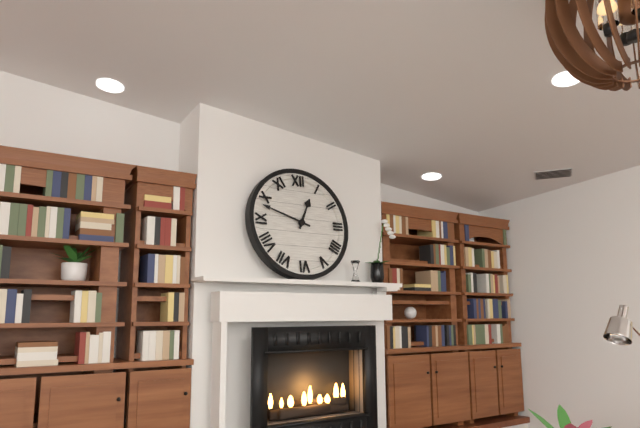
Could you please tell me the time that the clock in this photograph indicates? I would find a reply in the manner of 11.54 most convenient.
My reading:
12.48
